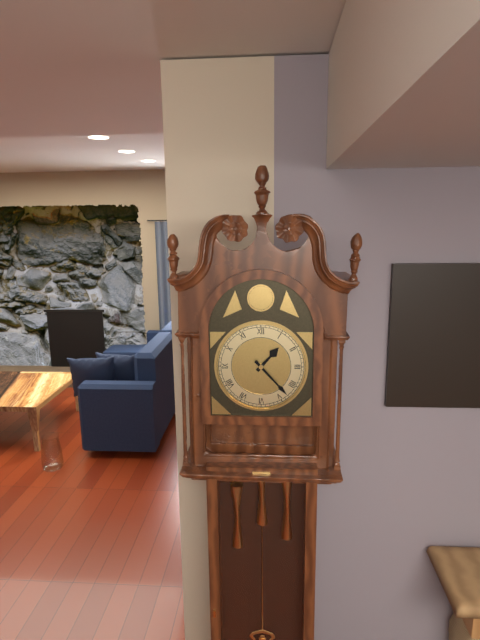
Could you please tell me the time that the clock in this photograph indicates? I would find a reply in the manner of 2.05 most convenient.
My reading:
1.23
